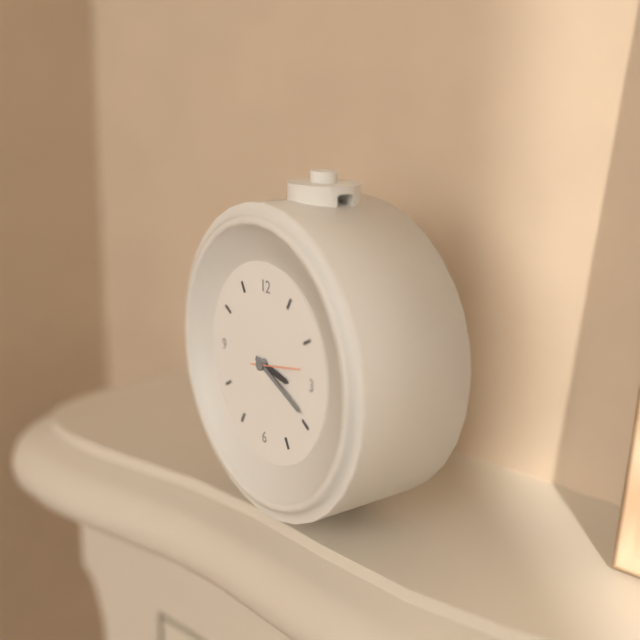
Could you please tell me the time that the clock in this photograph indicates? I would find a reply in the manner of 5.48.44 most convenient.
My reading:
3.19.13
